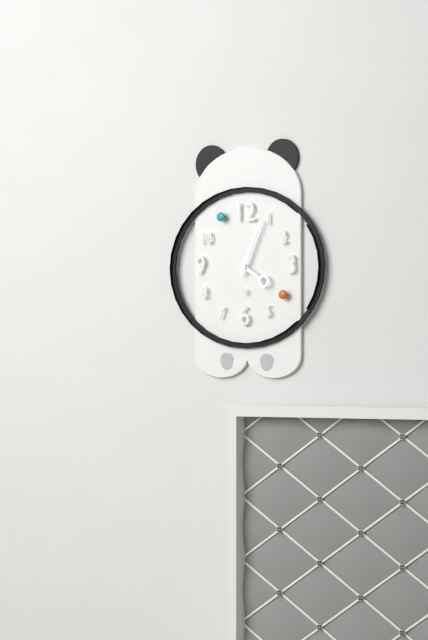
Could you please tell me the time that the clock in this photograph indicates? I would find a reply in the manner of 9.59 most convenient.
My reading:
4.04
